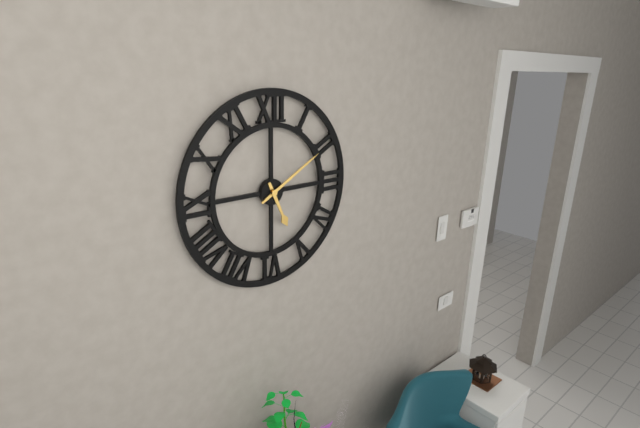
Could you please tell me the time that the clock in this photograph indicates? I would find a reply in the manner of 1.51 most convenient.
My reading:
5.10
